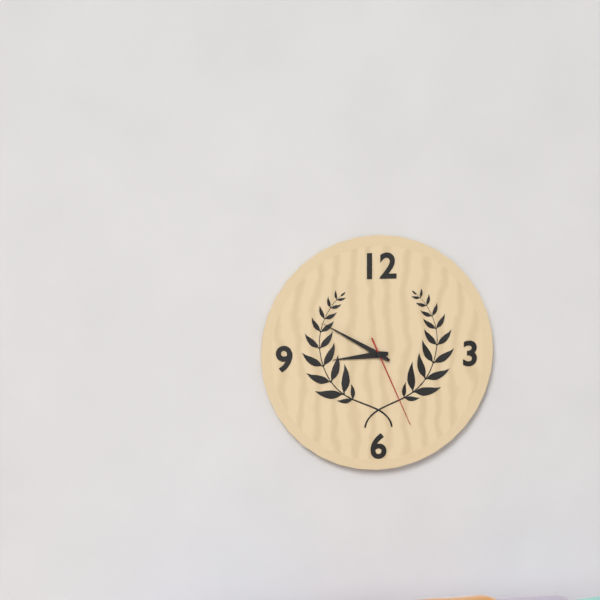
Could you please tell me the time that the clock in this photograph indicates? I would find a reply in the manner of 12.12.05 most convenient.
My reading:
8.50.26
